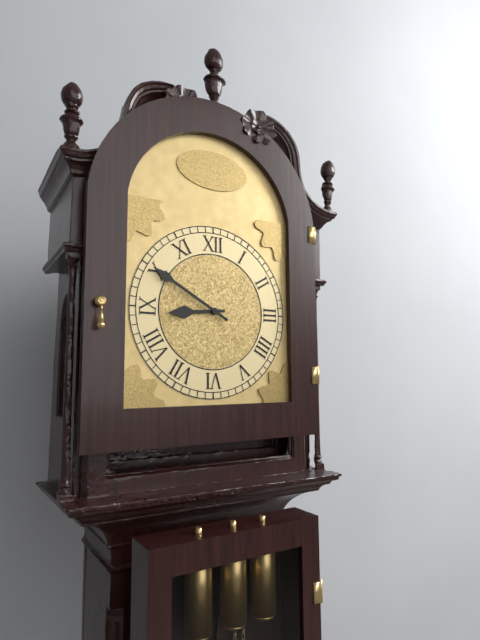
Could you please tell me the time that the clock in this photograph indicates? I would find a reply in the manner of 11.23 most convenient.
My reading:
8.50
